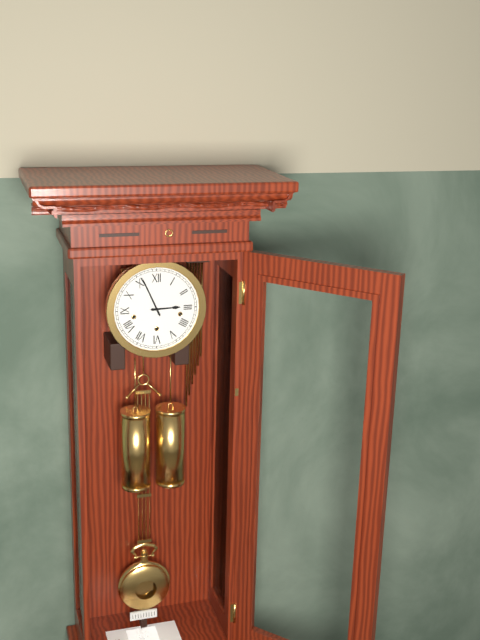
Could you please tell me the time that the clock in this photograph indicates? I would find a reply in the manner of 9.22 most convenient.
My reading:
2.56
